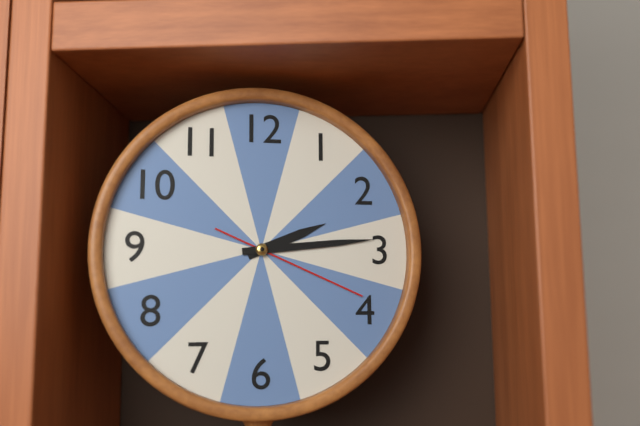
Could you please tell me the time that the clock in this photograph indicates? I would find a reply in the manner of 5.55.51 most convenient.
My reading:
2.14.19
